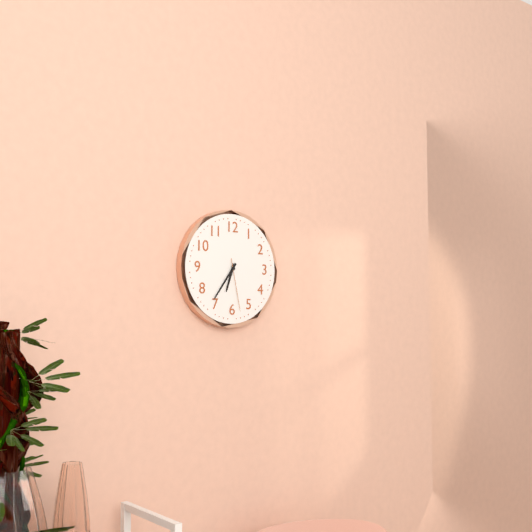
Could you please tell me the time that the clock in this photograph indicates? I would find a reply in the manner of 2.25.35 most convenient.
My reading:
6.36.28
